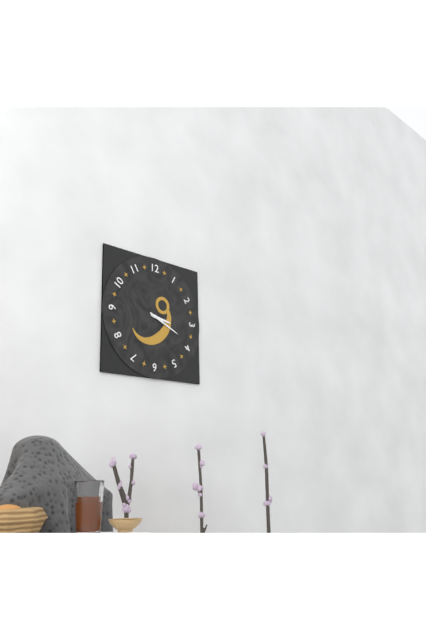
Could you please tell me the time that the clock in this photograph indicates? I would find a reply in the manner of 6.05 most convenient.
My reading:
3.19
